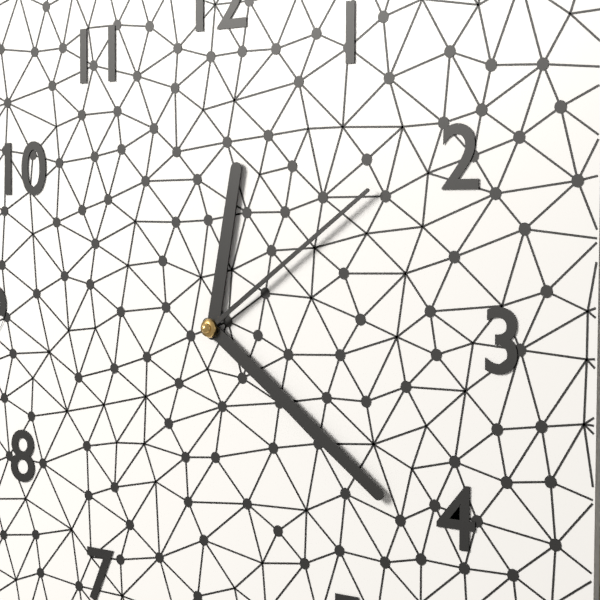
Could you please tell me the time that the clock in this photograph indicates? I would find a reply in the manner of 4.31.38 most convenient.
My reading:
12.21.09
